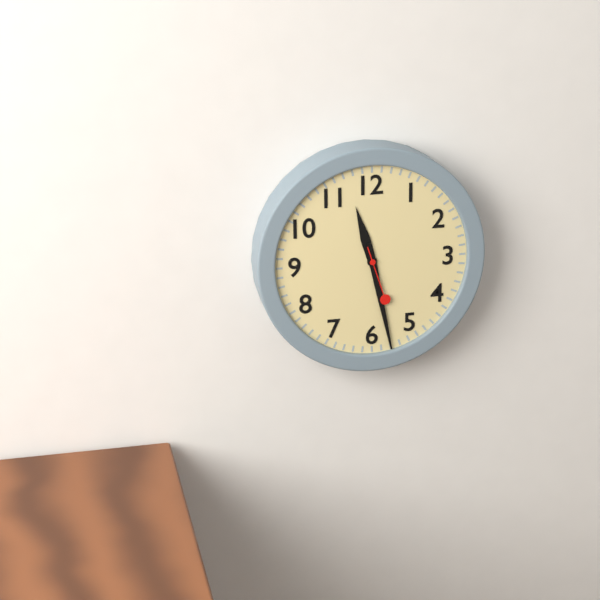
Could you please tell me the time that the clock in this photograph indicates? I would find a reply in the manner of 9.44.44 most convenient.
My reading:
11.28.27
